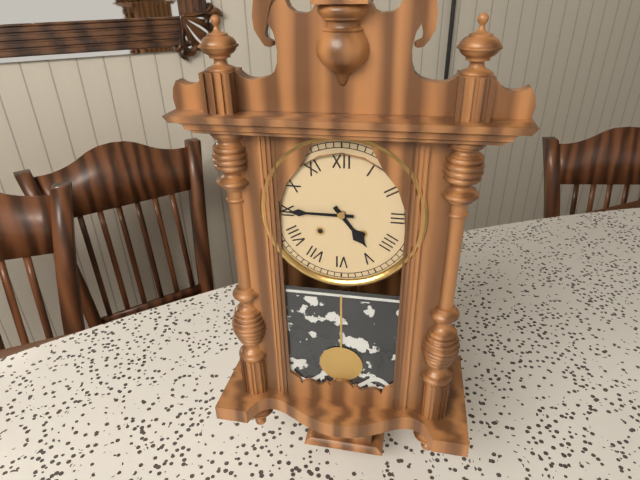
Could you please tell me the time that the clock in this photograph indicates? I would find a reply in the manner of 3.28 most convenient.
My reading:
4.45
